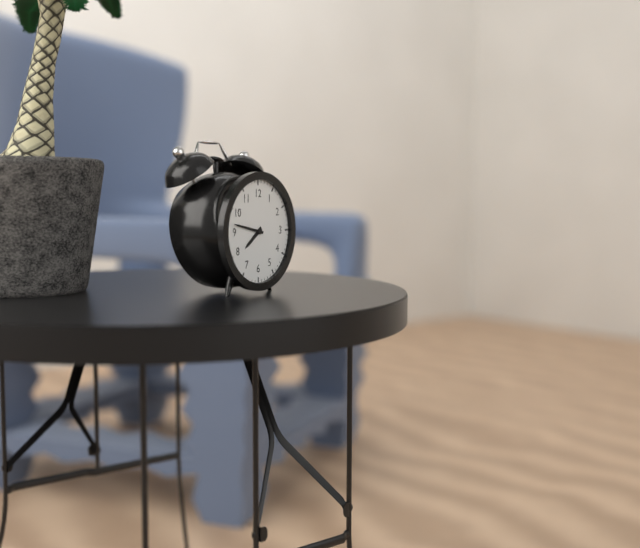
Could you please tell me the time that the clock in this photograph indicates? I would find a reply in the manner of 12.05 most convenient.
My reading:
7.47
